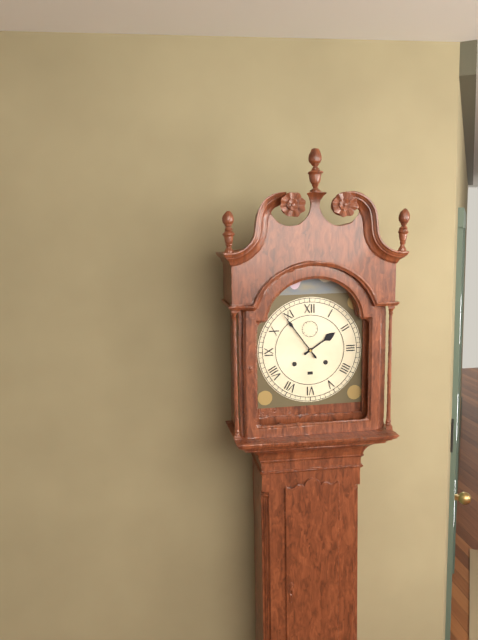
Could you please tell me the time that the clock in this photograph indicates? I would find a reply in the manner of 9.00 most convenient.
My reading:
1.54
